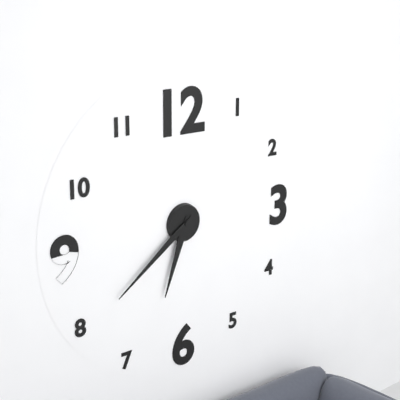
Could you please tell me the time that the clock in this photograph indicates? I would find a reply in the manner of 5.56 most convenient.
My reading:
6.39
